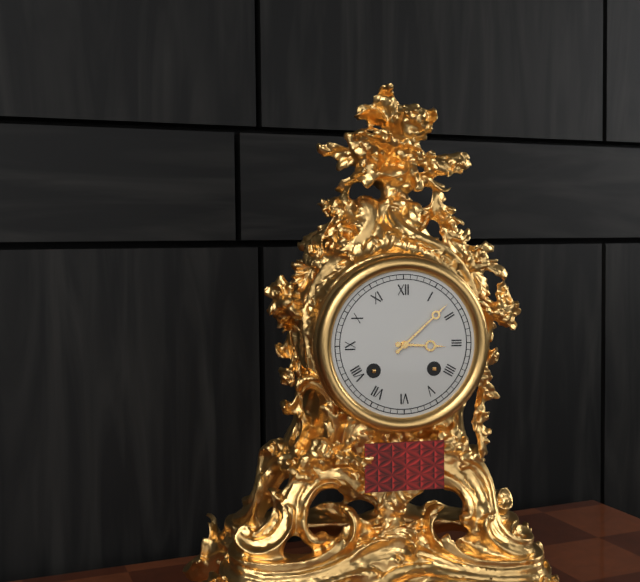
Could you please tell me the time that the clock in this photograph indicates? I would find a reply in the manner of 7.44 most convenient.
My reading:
3.08
